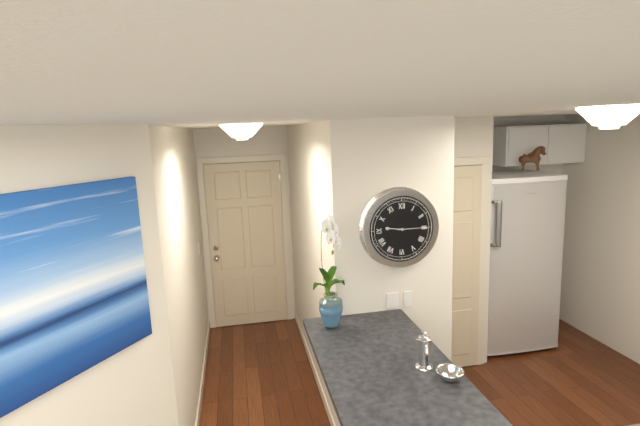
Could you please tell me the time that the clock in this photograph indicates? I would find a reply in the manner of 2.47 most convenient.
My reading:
9.15
